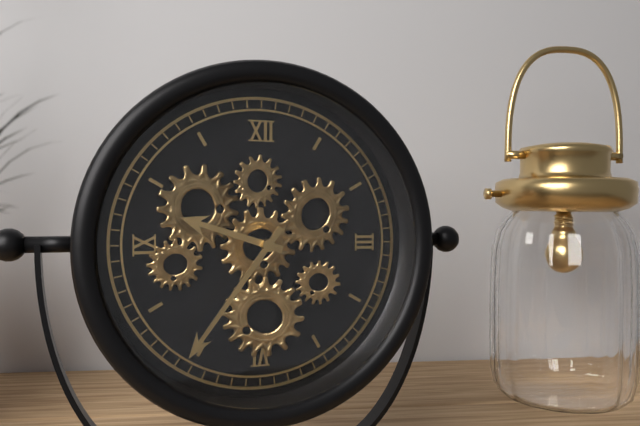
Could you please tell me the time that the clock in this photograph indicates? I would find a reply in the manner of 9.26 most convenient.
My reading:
9.36
